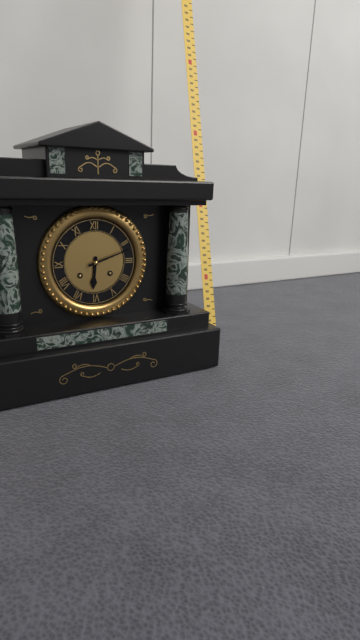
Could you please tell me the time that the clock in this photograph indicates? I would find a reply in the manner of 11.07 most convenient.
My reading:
6.12
